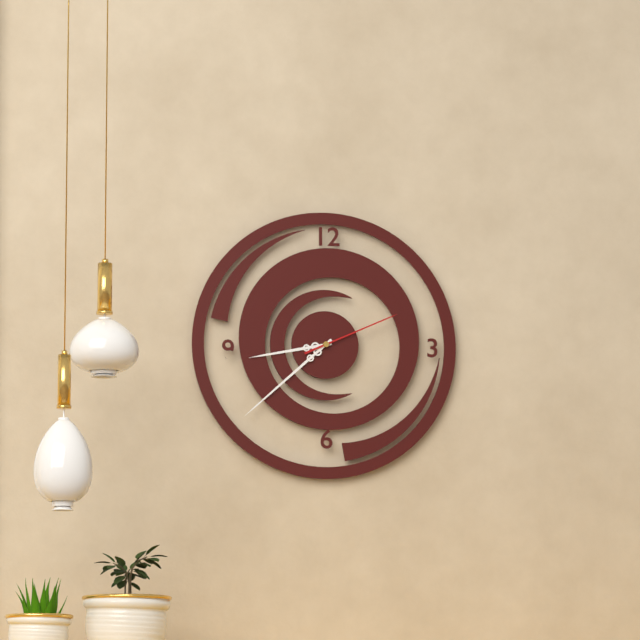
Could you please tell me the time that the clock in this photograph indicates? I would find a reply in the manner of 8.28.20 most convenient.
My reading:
8.38.11
